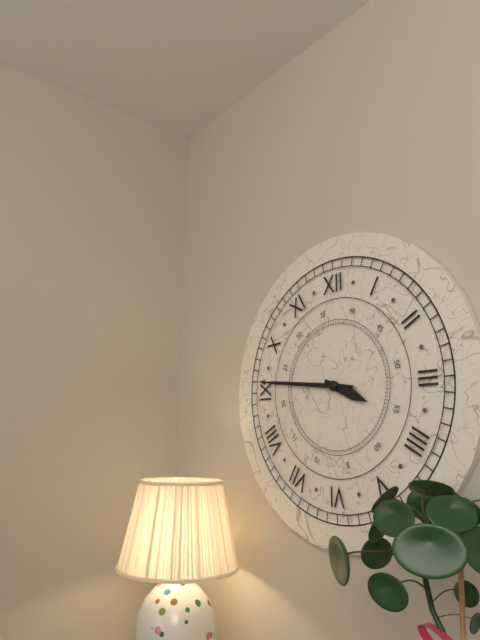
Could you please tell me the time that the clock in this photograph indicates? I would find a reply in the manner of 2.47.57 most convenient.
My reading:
3.46.46
